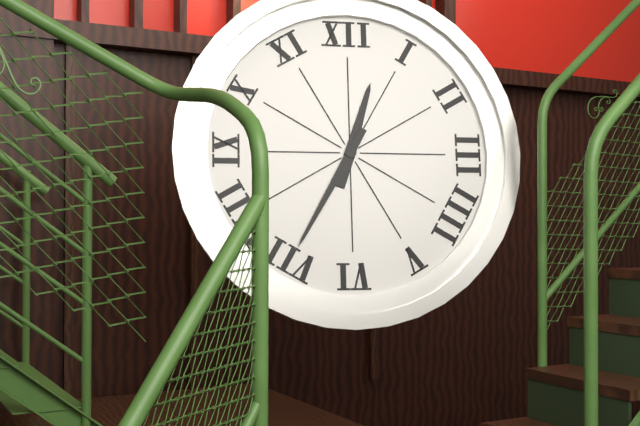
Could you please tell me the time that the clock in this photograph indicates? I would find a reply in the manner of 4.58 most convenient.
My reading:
12.35
